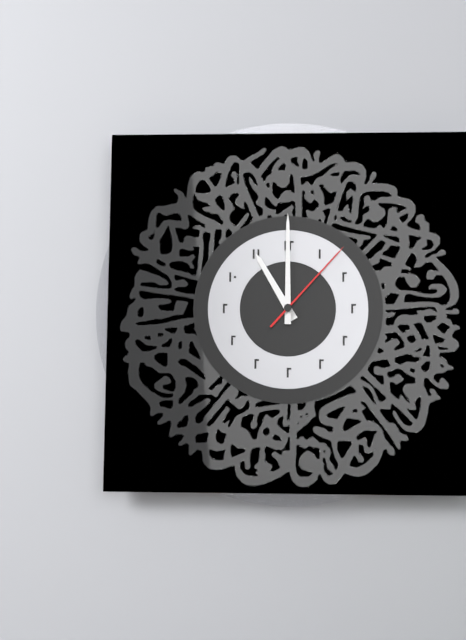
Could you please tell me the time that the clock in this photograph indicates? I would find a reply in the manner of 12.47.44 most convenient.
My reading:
11.00.07
